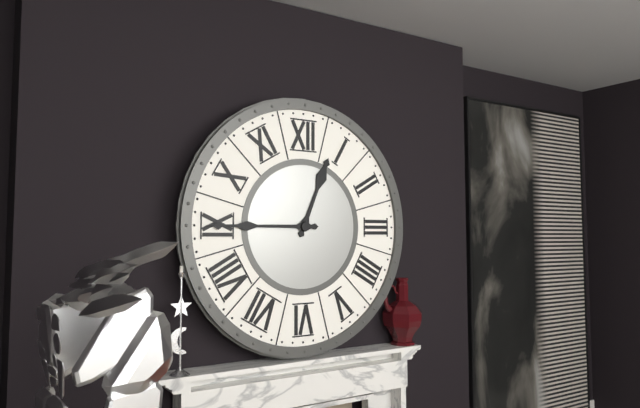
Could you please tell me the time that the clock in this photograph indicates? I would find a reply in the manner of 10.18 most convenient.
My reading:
12.45
